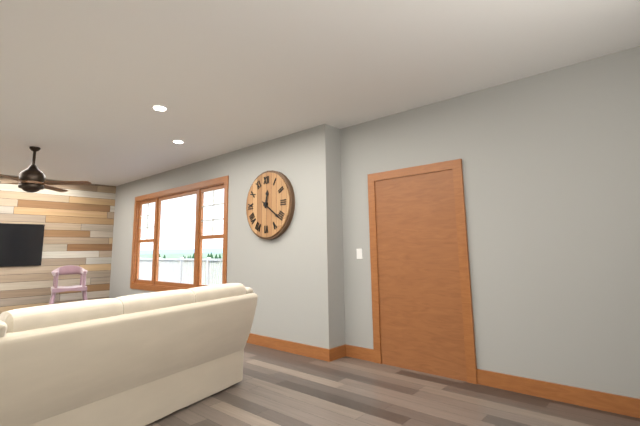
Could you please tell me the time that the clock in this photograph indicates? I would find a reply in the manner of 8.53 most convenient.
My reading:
12.21
